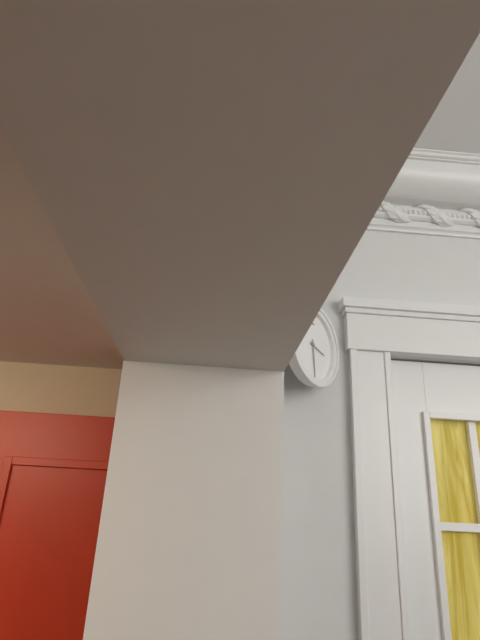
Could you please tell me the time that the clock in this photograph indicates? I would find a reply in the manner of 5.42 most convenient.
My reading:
3.29
